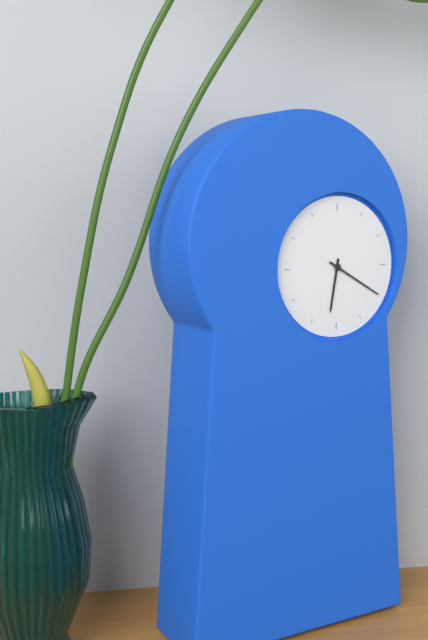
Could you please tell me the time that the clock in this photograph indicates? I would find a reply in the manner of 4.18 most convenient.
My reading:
6.20
